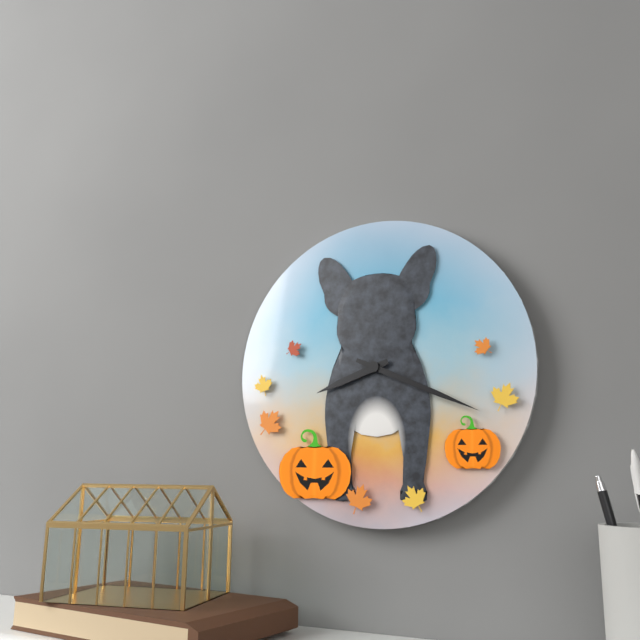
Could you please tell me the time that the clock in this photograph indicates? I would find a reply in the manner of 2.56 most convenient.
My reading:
8.19
